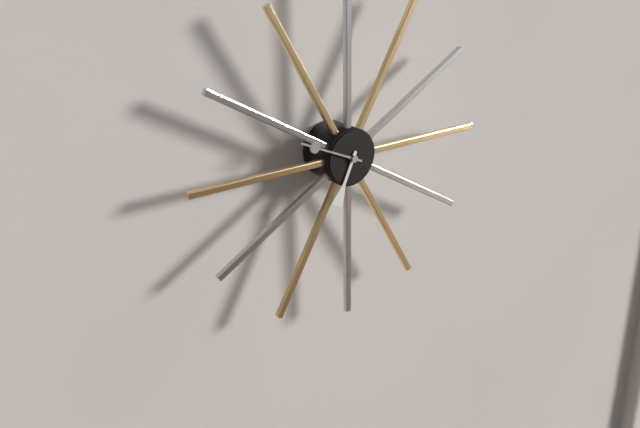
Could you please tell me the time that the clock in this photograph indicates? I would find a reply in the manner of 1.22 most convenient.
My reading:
6.49
